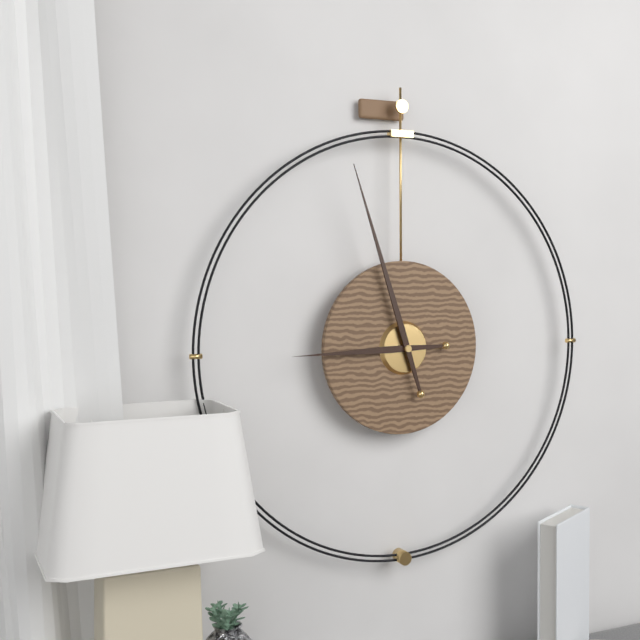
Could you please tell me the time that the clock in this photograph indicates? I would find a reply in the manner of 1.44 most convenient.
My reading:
8.57
